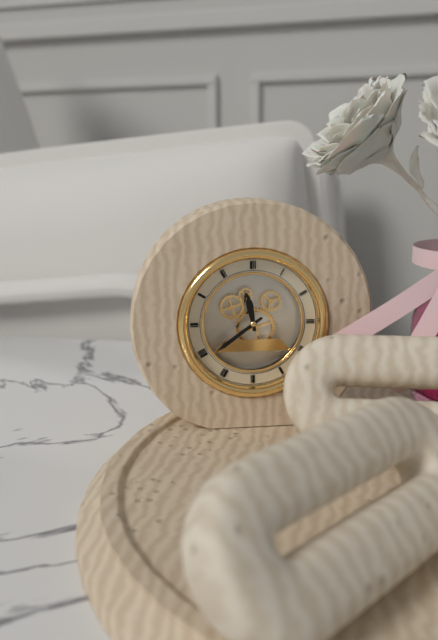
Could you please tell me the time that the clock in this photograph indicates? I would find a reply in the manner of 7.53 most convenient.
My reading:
11.39
